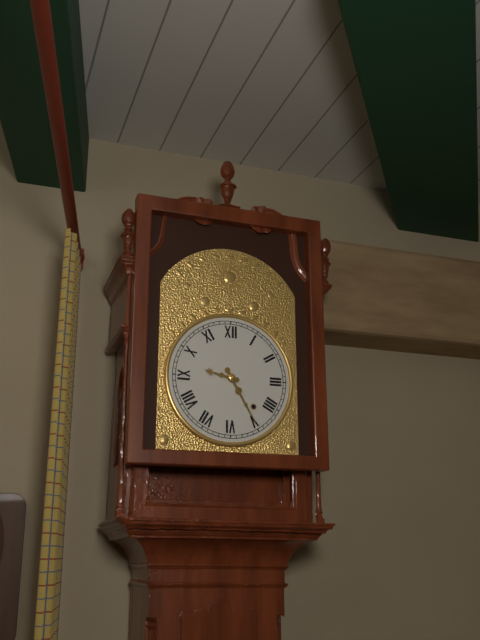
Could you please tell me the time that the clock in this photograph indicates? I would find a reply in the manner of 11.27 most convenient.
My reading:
9.25
